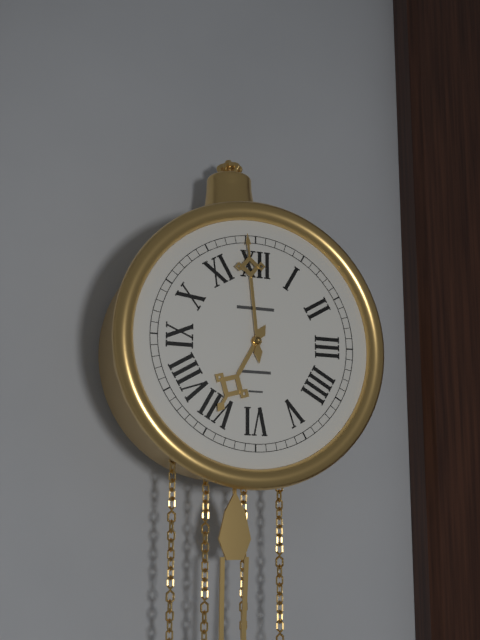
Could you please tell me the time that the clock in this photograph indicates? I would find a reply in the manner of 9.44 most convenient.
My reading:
6.59
